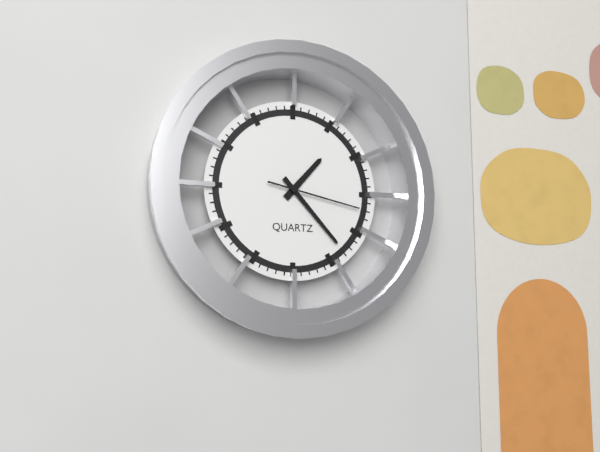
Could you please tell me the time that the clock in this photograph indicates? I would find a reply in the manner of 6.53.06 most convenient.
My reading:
1.23.17
